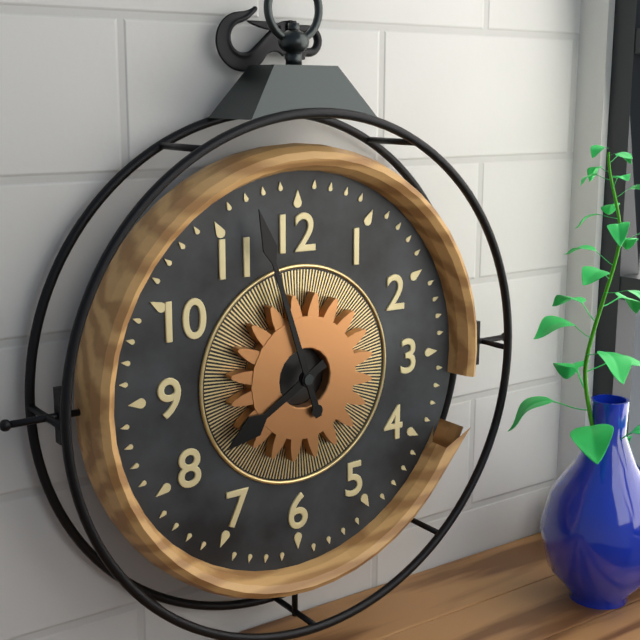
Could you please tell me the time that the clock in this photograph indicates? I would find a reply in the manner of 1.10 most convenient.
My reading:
7.57
